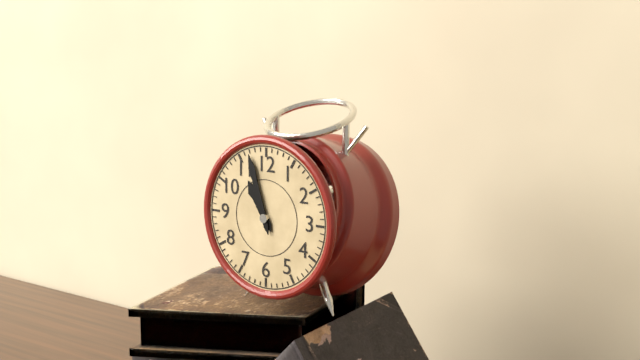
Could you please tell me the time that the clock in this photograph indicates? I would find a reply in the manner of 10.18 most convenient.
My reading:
10.57
